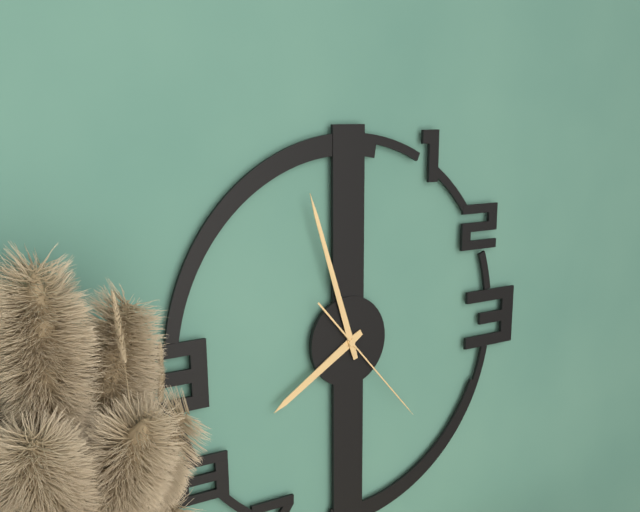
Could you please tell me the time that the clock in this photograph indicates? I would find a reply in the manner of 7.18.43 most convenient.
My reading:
7.57.23
